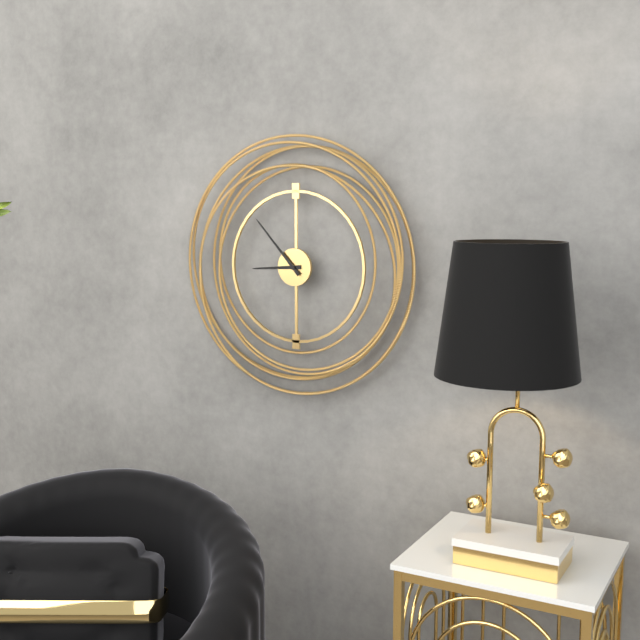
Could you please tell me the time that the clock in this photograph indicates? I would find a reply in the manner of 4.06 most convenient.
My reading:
8.53
